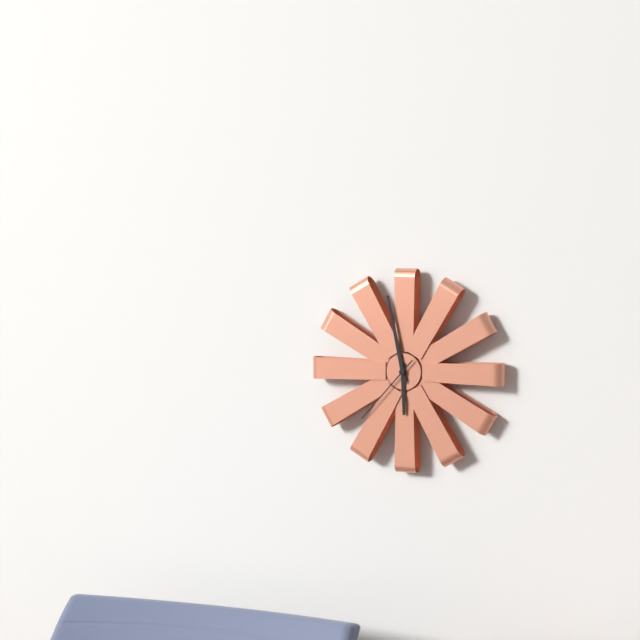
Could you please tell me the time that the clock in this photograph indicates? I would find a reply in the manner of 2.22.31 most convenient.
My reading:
5.58.37
